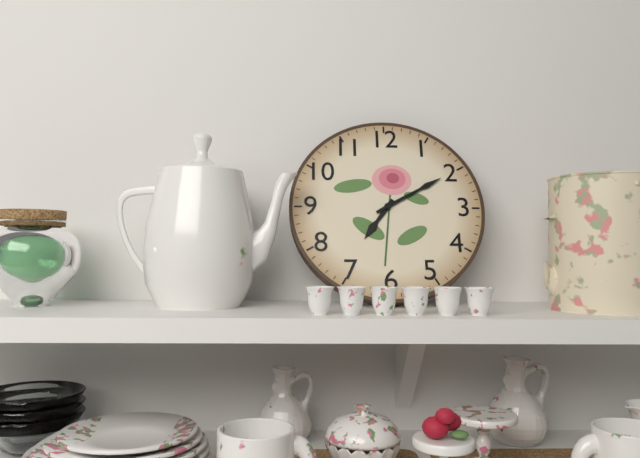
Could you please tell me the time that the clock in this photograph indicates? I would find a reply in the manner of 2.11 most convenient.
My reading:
7.10
